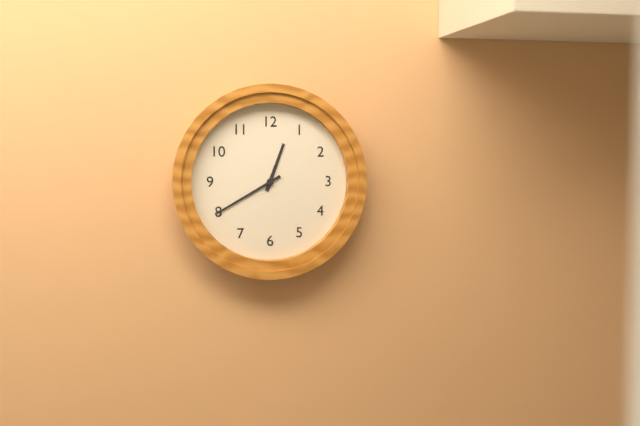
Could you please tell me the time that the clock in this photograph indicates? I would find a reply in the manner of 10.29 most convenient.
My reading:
12.40
